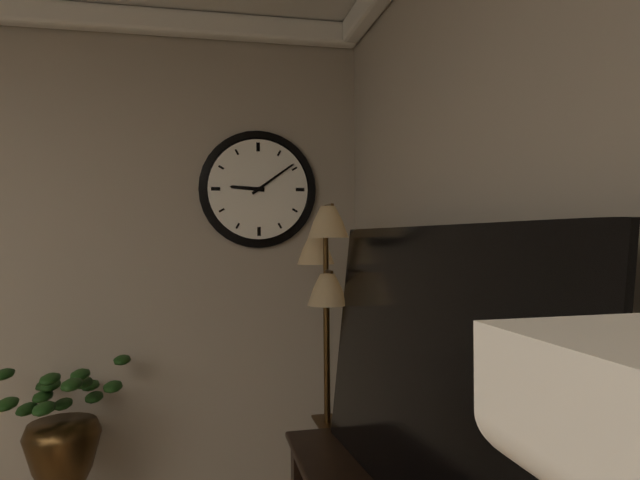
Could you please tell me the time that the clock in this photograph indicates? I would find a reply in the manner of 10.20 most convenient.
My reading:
9.09
